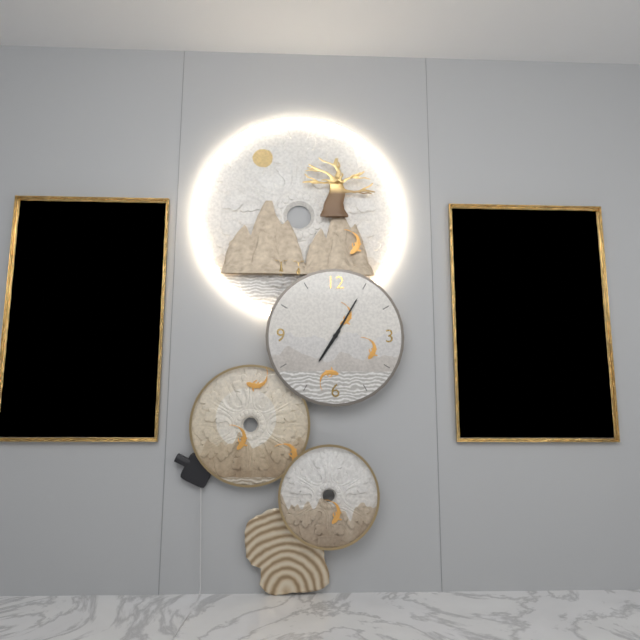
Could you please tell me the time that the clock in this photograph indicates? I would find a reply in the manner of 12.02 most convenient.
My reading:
7.05
